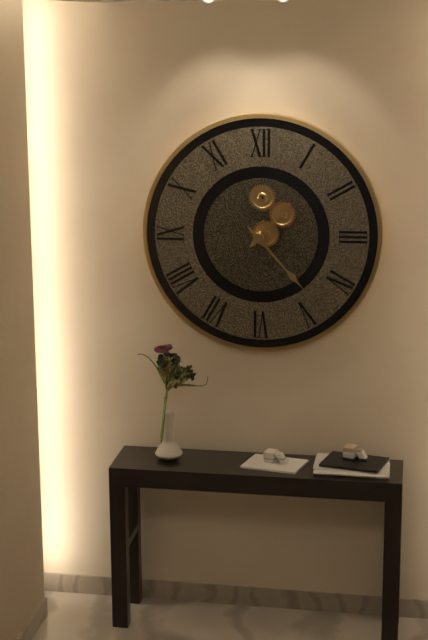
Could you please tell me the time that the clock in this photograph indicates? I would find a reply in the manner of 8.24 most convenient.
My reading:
1.23
